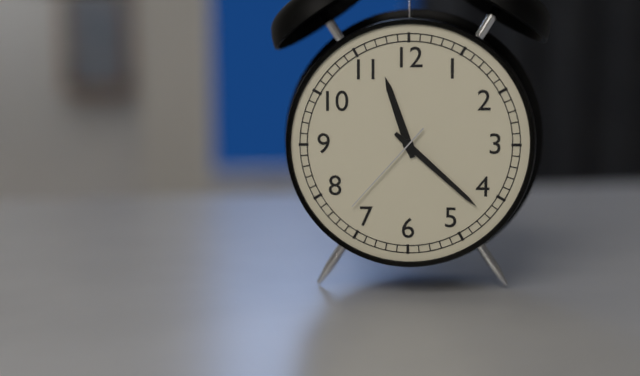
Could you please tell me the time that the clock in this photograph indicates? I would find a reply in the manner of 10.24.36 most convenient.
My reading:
11.22.37
